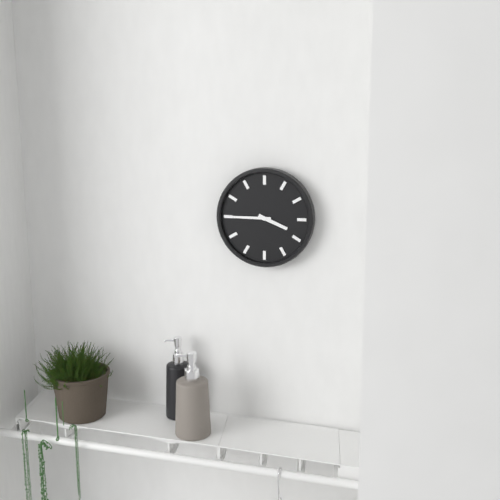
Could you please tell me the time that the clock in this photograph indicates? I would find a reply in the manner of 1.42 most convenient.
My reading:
3.45
